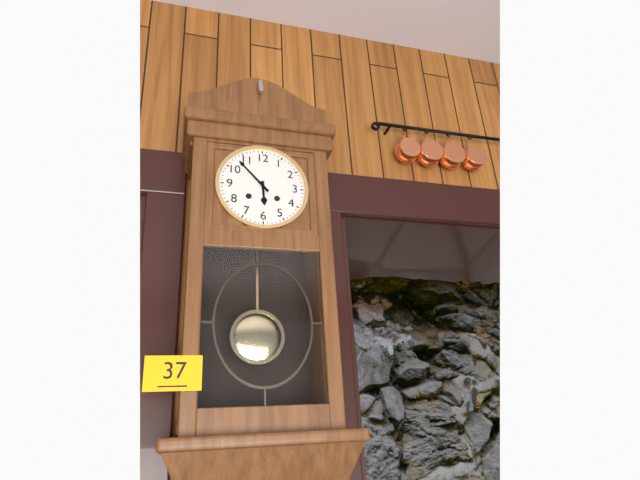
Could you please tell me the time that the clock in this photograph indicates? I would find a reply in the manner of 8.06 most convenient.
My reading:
5.53
